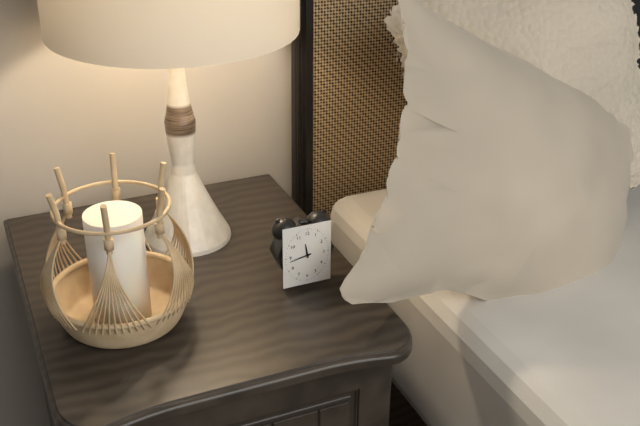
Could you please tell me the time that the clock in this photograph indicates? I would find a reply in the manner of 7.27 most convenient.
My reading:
11.43
